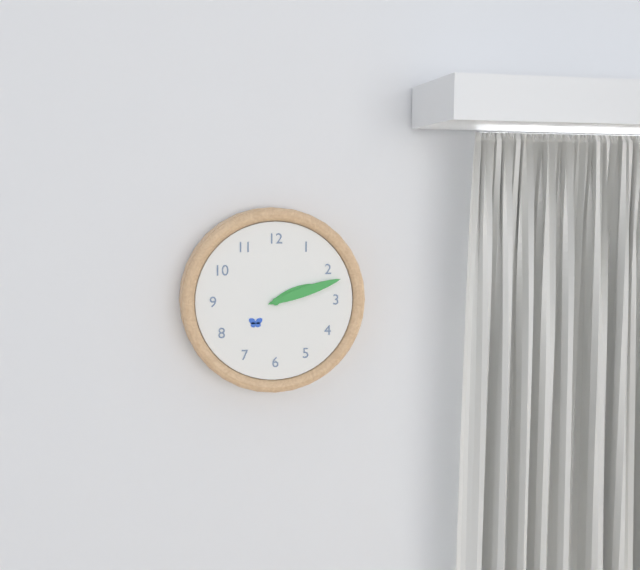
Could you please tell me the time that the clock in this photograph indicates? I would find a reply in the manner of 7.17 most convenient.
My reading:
2.12
